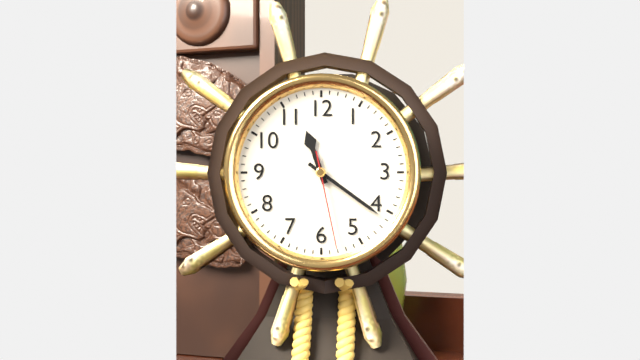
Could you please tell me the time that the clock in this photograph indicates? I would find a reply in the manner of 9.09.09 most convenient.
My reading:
11.21.28
